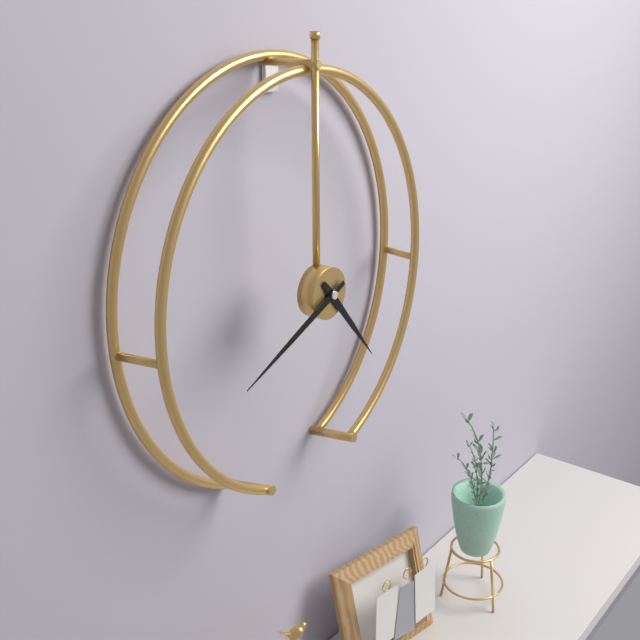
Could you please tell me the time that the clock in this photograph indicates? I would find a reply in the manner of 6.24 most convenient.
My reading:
4.41
